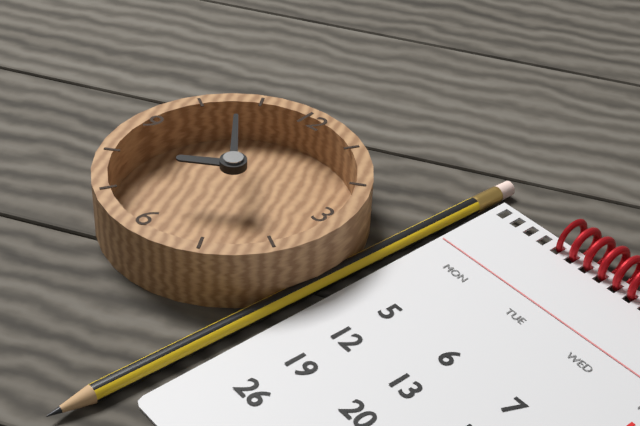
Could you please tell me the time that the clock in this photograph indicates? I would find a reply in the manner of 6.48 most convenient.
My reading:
7.53
